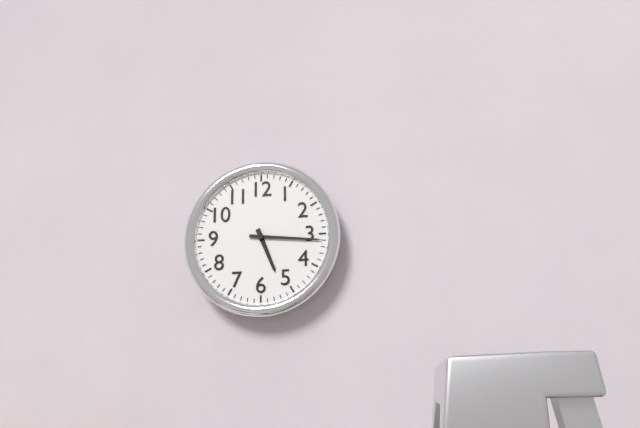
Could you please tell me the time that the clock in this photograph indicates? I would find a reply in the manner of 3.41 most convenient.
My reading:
5.16
